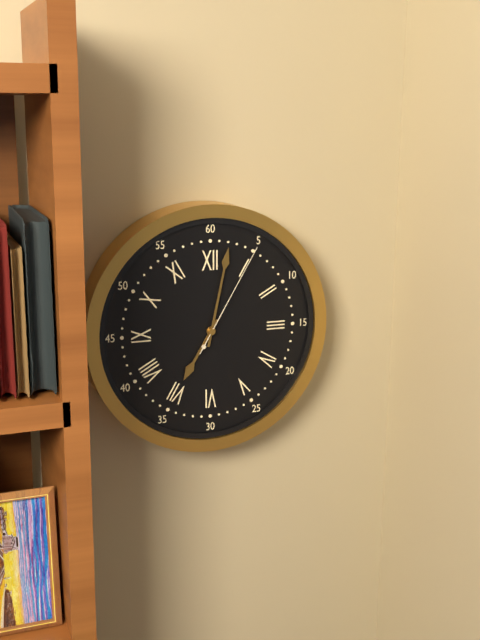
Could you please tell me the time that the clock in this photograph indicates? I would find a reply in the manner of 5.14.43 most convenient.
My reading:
7.02.05
